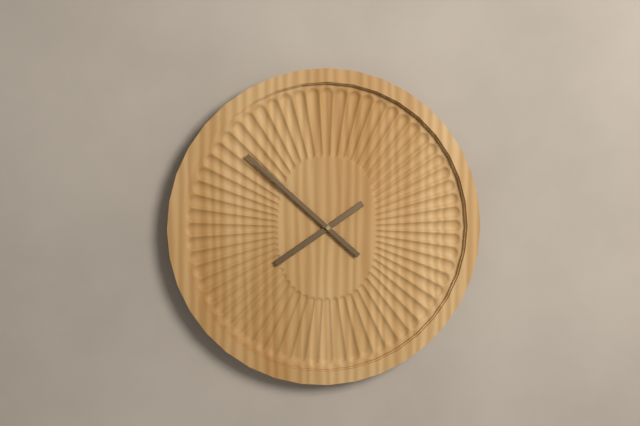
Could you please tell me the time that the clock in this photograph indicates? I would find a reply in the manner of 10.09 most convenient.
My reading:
7.52
